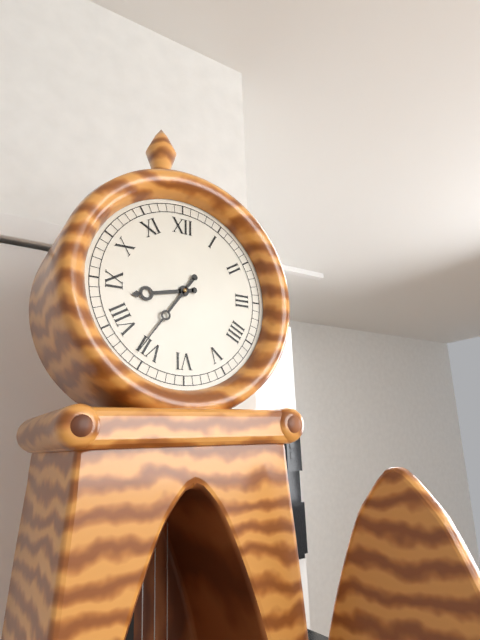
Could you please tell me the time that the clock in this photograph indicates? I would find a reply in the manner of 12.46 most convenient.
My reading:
8.36
